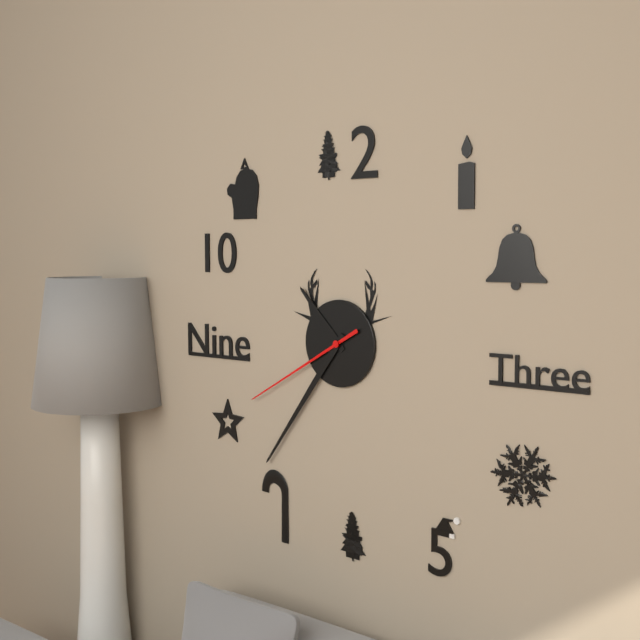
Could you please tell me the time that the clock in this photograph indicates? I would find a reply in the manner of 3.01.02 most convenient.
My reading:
10.36.40
